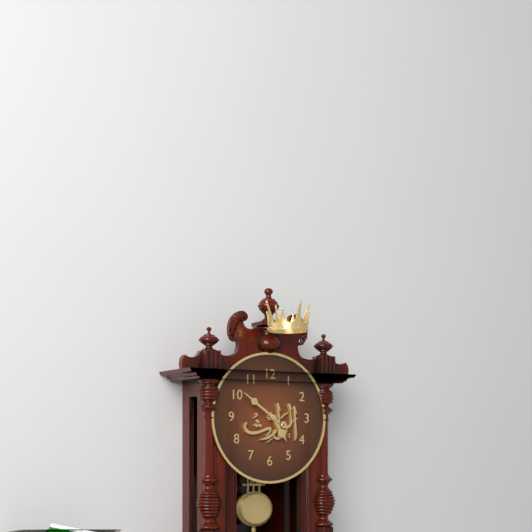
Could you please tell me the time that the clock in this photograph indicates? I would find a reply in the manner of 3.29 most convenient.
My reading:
4.51
